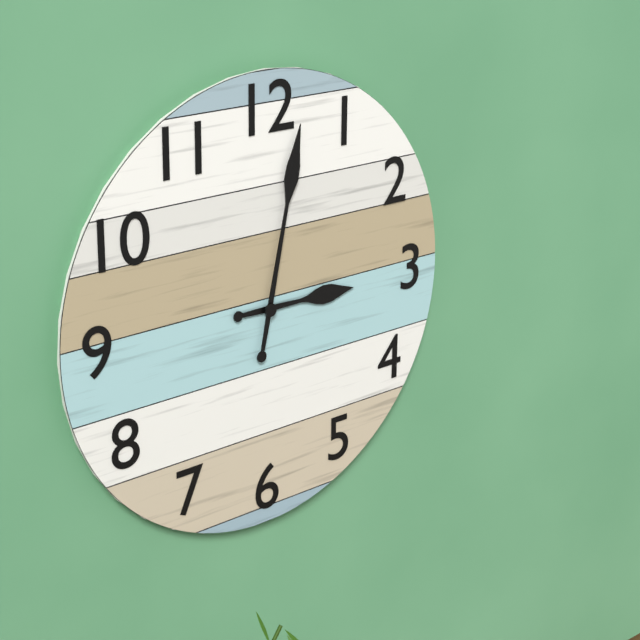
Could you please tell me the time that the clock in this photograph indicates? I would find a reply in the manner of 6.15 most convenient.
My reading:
3.02
